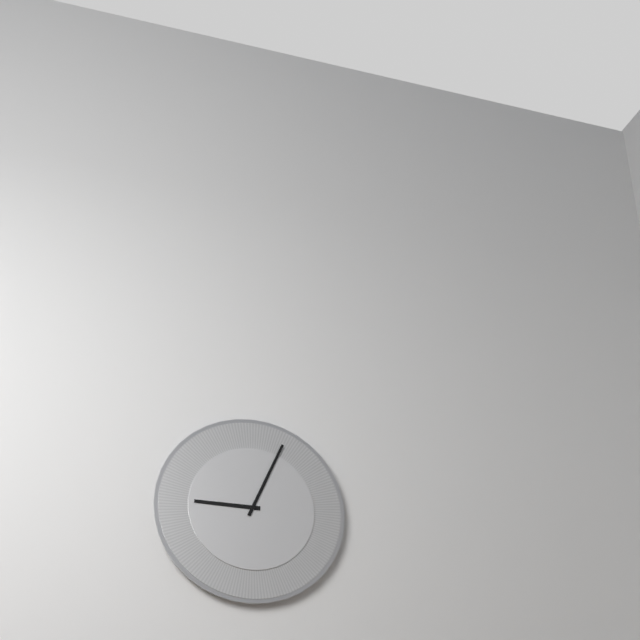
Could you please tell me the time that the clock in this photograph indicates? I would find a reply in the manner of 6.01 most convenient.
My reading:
9.04
